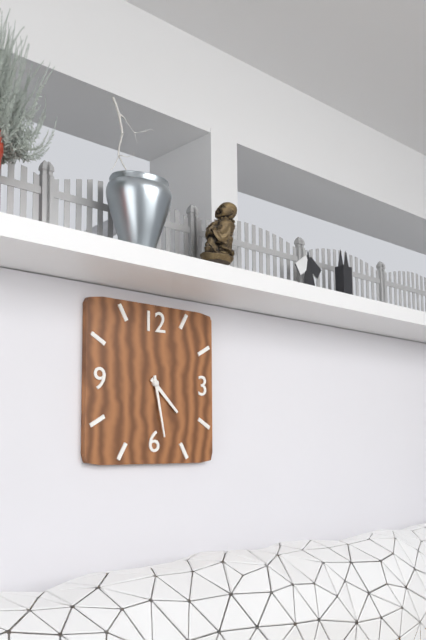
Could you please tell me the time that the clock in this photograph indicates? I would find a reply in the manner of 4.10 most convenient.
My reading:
4.28
